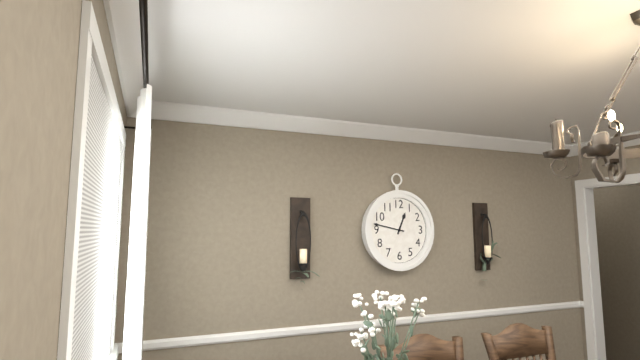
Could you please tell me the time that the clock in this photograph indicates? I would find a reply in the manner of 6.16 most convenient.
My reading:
12.47
